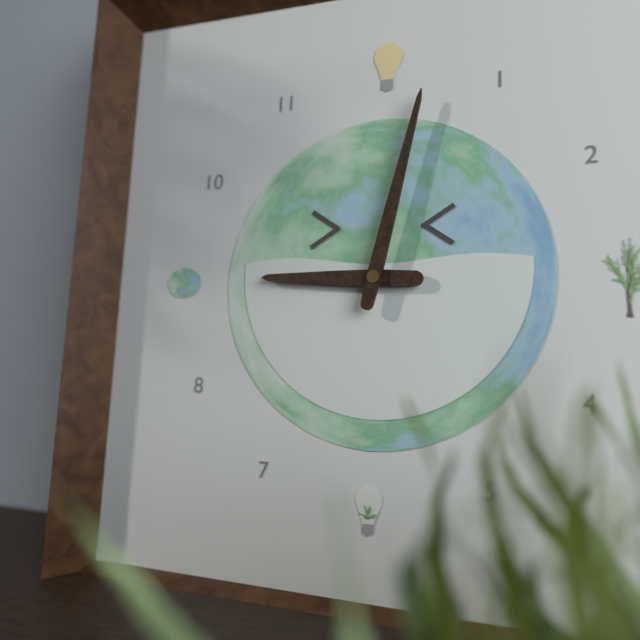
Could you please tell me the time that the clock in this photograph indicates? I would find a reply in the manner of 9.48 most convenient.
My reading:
9.02
